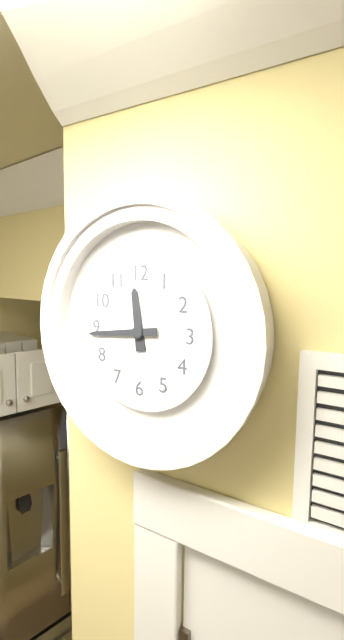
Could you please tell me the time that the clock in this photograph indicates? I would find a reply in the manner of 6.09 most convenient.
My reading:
11.44
